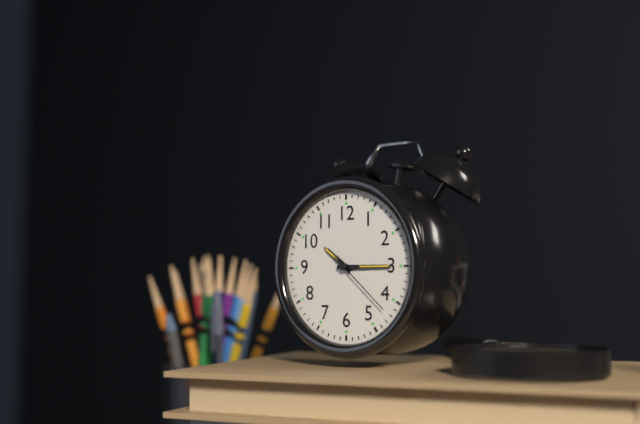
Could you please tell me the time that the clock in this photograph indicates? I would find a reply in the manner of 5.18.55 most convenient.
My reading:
10.15.22
